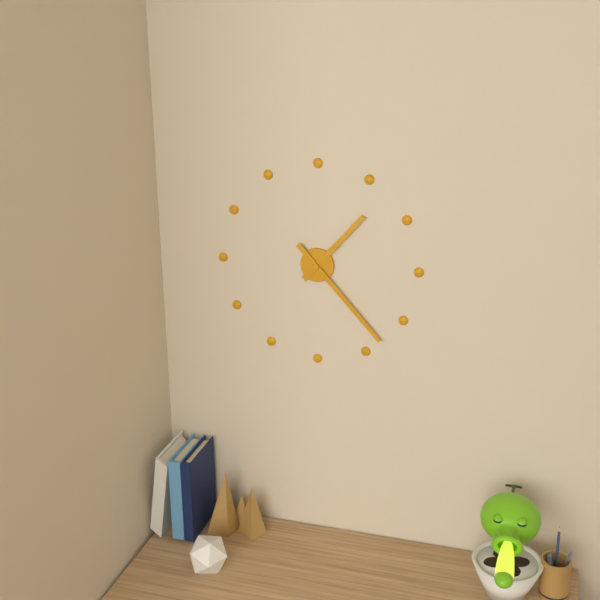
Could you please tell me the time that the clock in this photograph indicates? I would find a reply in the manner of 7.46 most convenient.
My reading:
1.23
